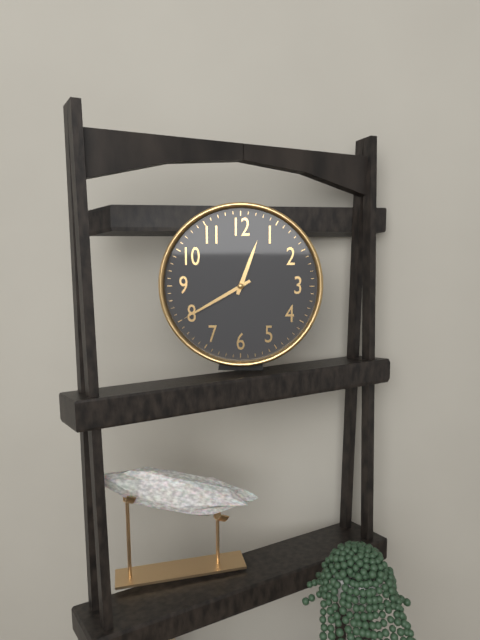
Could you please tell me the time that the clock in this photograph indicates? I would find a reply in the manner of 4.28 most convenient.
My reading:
12.40
